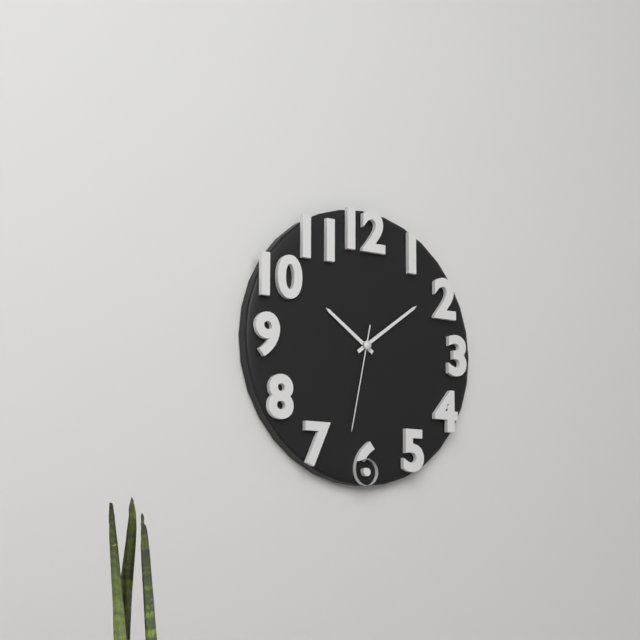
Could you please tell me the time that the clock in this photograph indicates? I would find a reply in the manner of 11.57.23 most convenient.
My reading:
10.09.32
